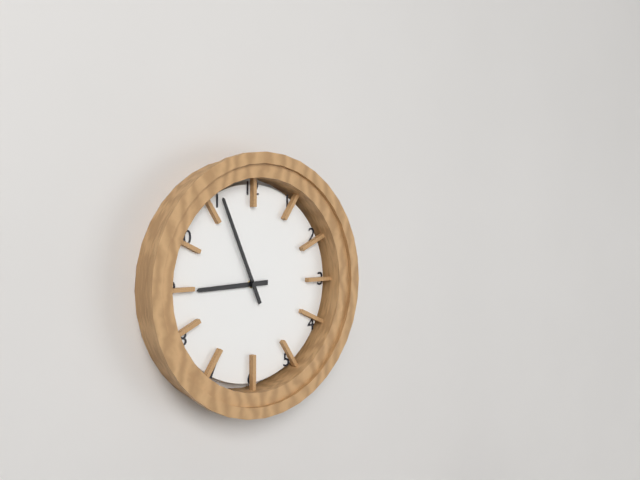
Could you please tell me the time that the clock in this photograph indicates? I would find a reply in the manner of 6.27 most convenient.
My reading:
8.56
